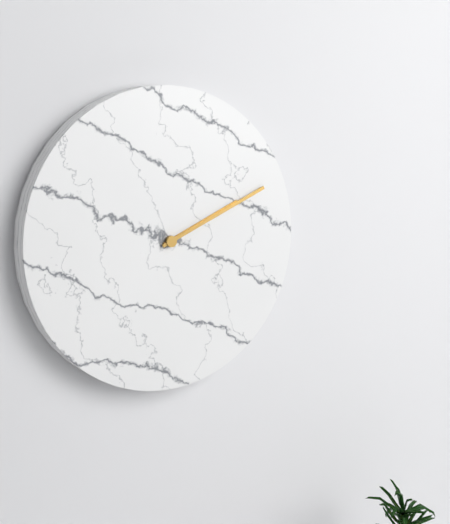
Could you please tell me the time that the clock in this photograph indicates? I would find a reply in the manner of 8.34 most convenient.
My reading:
2.11
